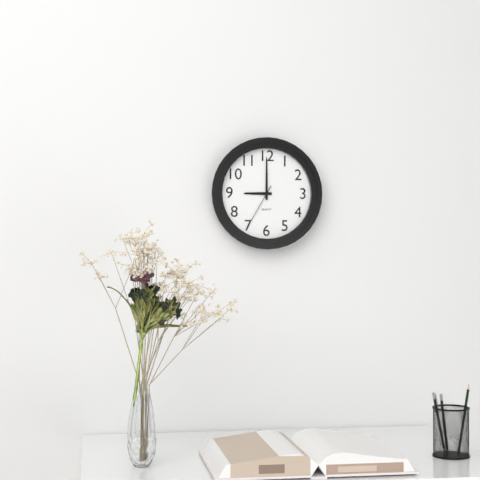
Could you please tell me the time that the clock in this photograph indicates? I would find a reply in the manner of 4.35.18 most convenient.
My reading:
9.00.35
